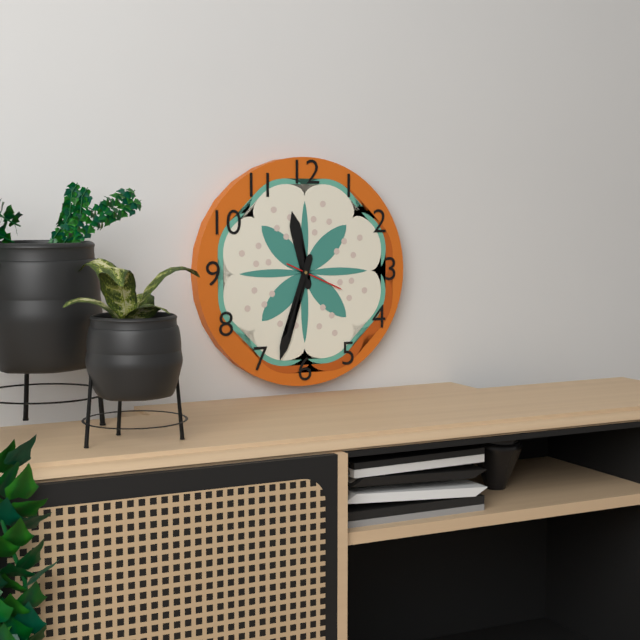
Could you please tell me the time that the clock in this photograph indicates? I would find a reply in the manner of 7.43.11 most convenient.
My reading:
11.33.19
